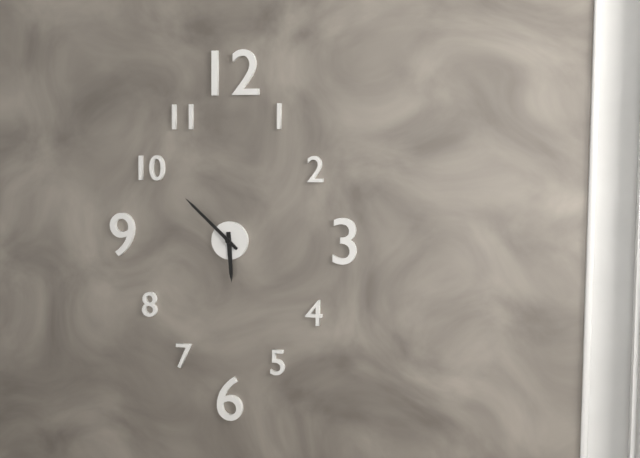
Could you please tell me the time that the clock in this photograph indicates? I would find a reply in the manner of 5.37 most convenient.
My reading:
5.52
